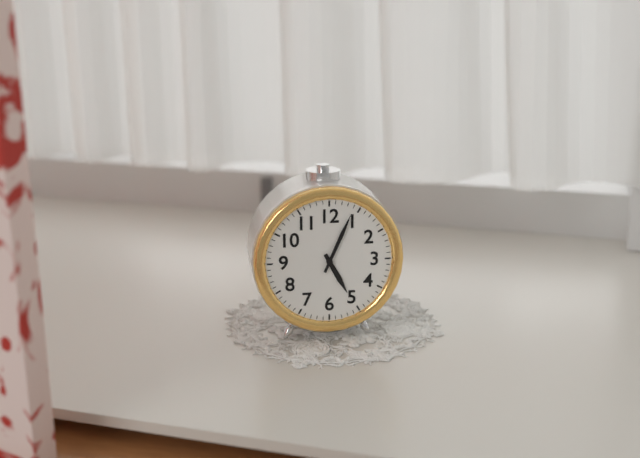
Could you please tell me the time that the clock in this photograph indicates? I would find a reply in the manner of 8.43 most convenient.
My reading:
5.04
